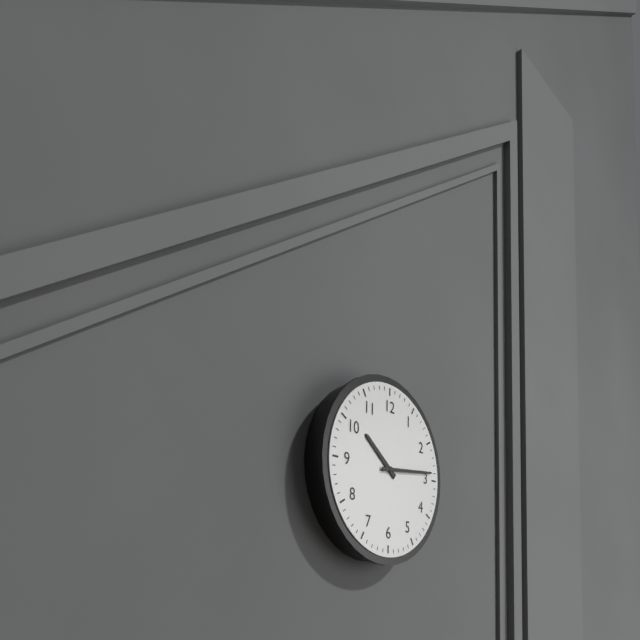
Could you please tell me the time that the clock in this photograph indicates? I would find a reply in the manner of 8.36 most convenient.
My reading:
10.14
